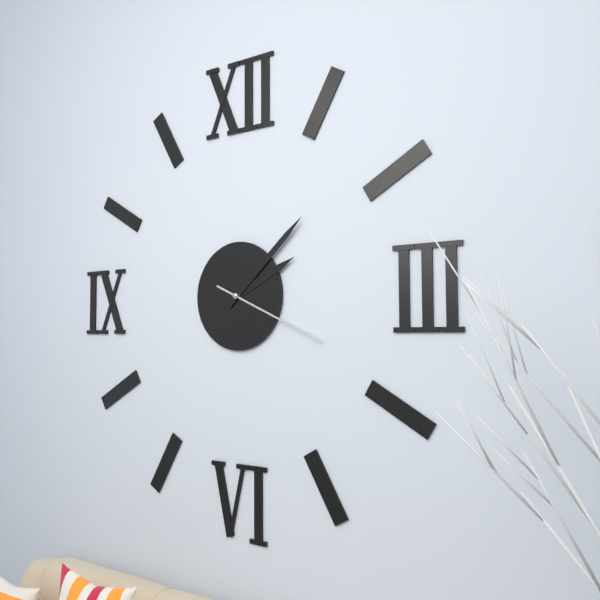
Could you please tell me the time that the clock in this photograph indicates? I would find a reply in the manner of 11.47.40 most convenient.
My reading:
2.08.19
